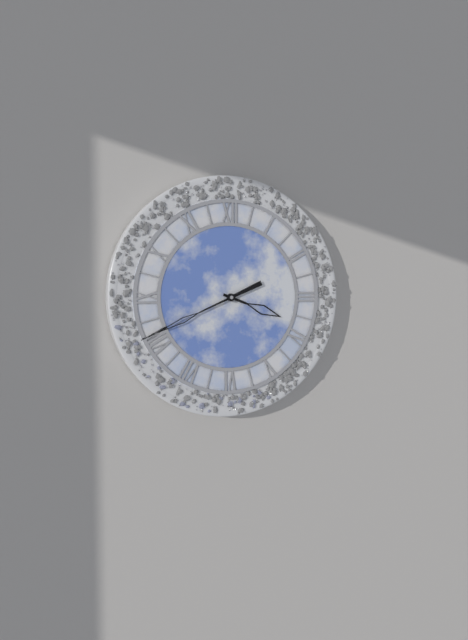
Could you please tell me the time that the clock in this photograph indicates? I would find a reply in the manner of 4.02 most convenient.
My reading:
3.41
